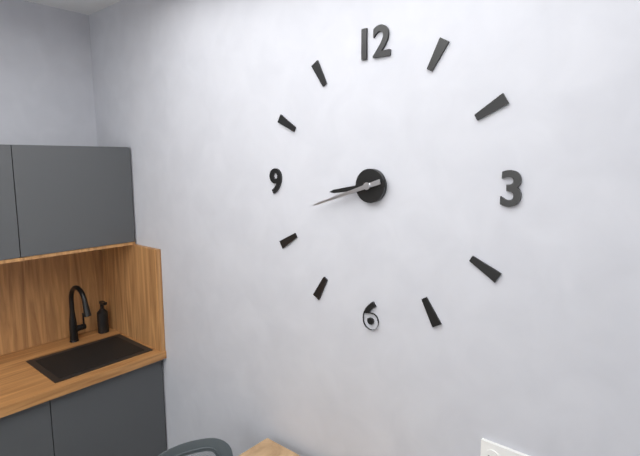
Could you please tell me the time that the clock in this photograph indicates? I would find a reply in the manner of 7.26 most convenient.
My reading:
8.42
